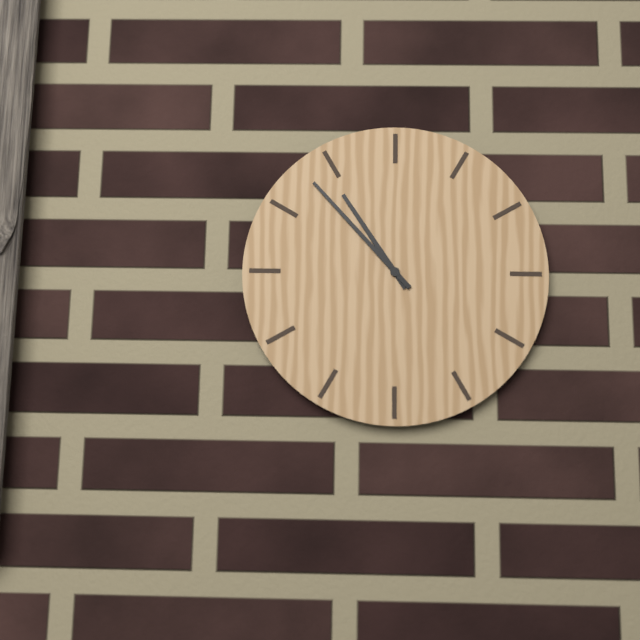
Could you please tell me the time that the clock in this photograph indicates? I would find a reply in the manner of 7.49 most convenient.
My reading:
10.53
